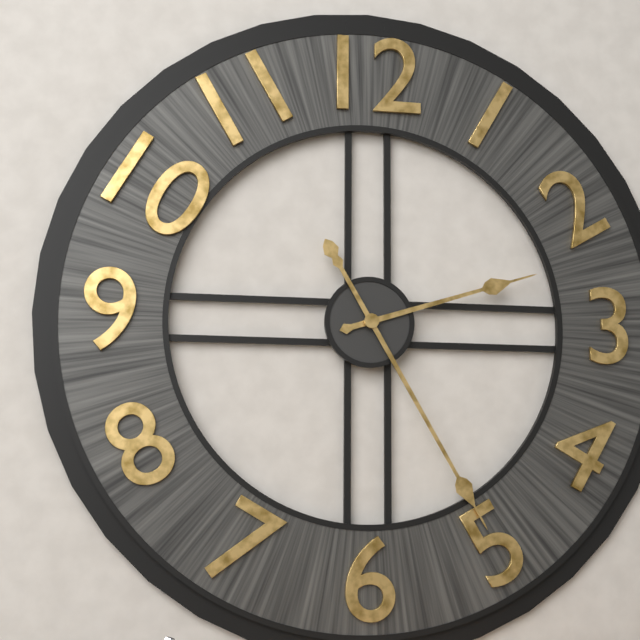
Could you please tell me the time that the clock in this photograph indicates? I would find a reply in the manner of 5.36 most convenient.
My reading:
2.25
